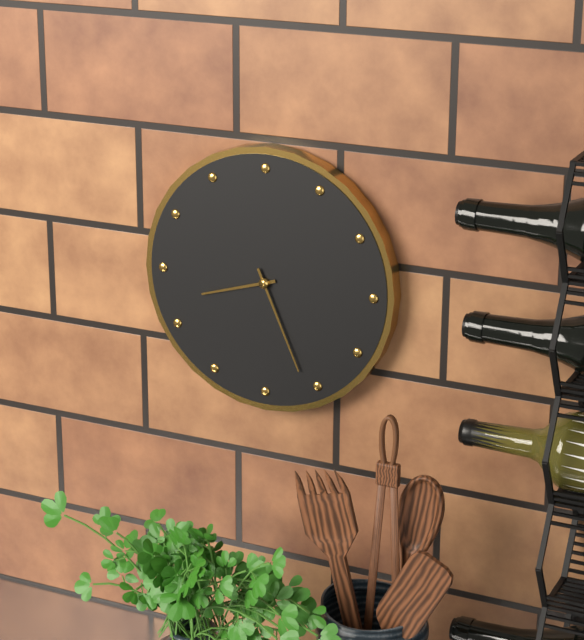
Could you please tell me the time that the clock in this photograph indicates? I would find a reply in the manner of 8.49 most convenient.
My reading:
8.26
